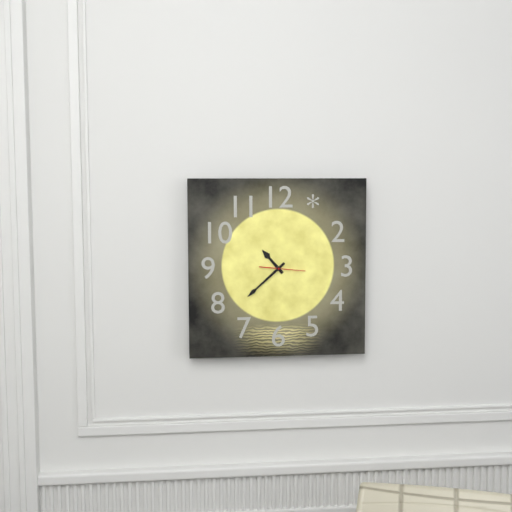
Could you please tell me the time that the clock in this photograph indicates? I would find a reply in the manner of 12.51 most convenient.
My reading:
10.38
